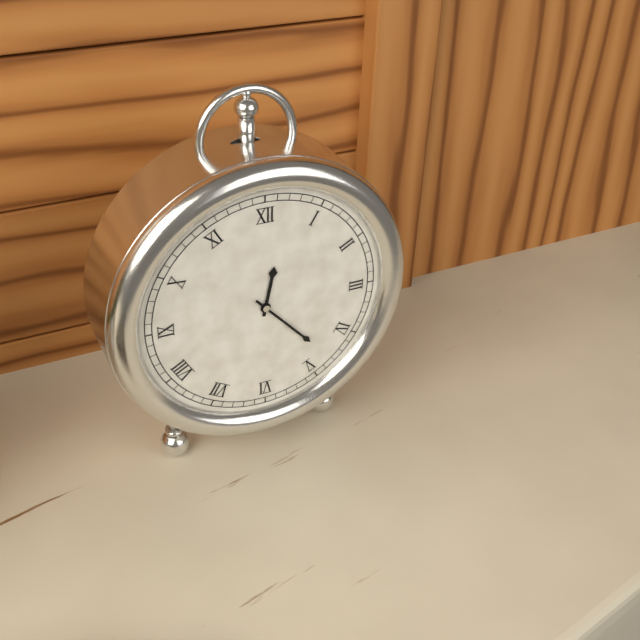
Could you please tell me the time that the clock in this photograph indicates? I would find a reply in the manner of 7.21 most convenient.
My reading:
12.23
